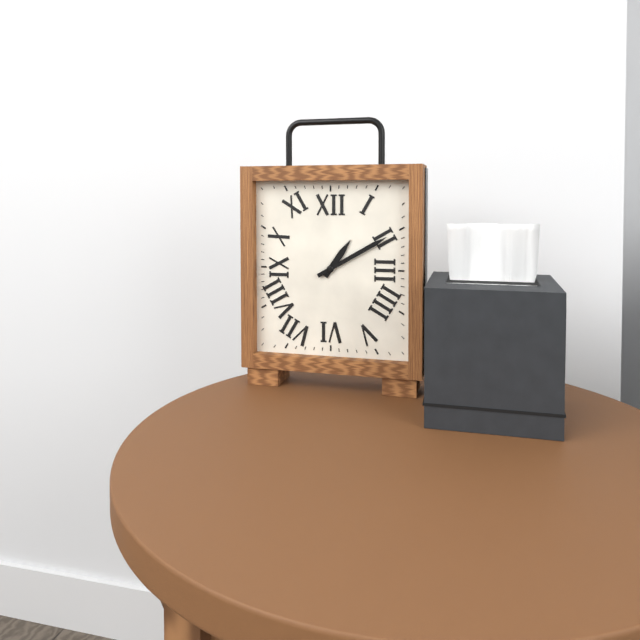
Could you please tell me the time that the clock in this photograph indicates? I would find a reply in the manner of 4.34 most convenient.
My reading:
1.10
